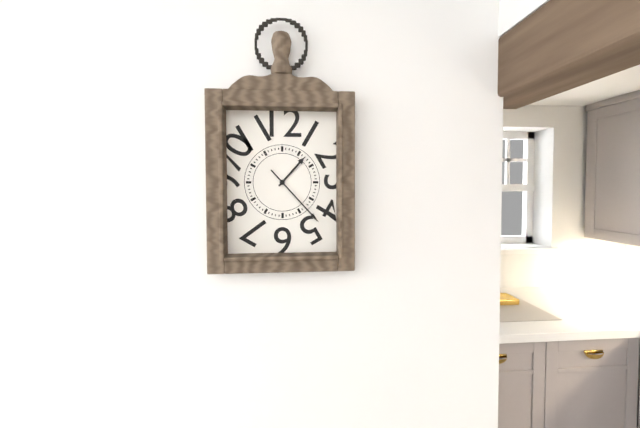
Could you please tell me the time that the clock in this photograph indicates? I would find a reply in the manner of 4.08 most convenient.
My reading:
1.23
